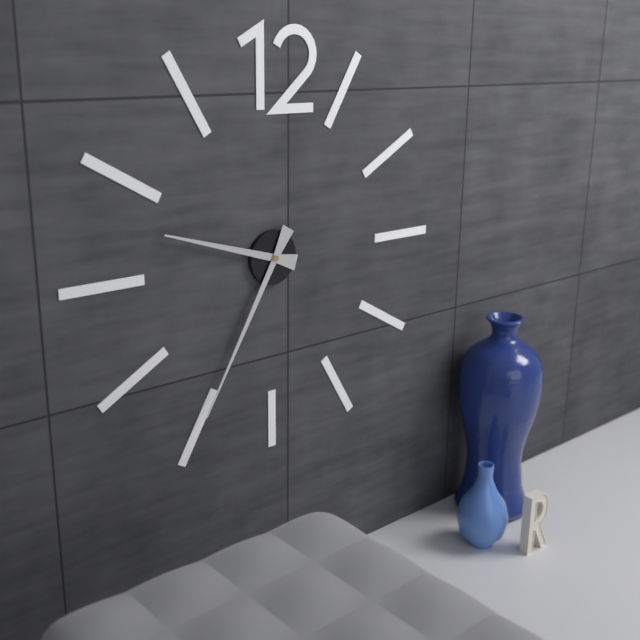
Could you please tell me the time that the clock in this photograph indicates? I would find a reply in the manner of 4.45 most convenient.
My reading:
9.35
